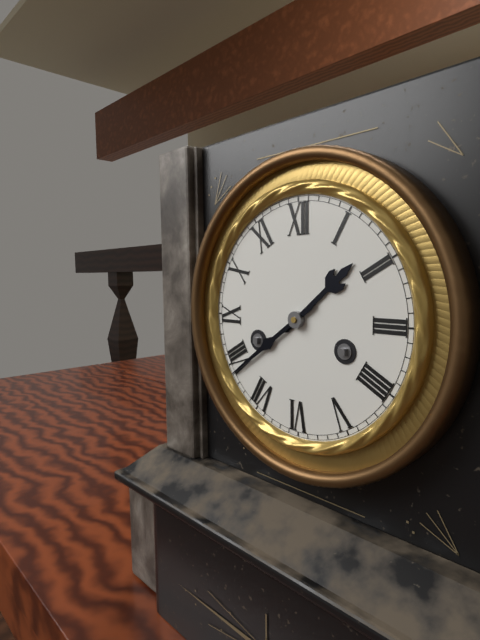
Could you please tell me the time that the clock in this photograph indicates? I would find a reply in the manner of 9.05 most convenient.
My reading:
1.39
